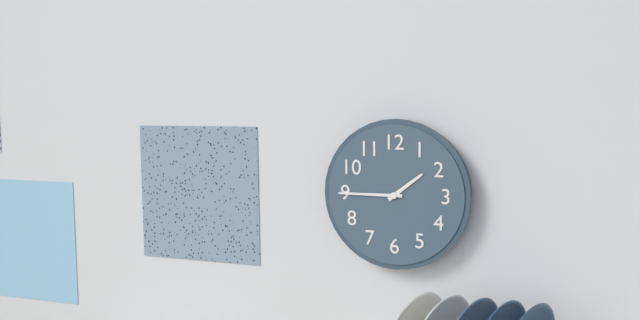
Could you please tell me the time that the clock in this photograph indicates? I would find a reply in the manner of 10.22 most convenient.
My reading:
1.45
